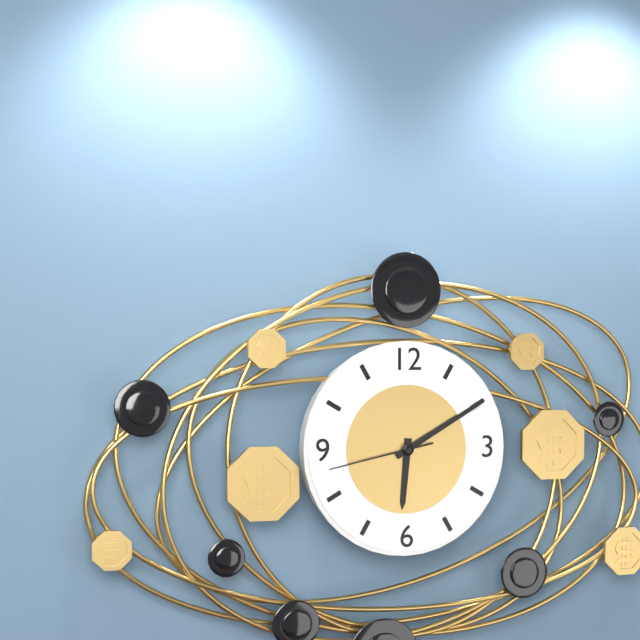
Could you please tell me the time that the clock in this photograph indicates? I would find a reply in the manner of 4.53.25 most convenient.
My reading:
6.10.43
